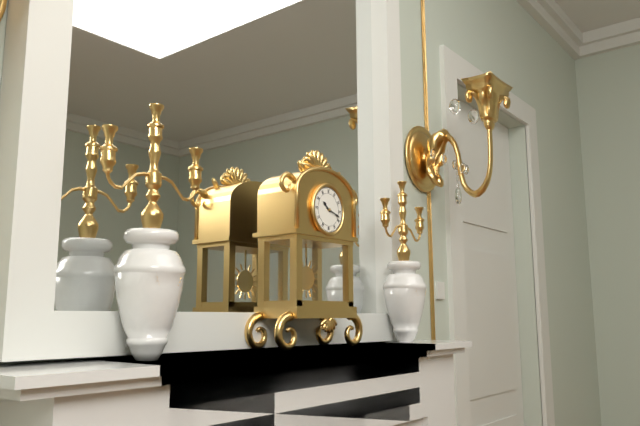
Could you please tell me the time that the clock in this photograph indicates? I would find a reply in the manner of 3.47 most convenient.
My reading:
10.18
